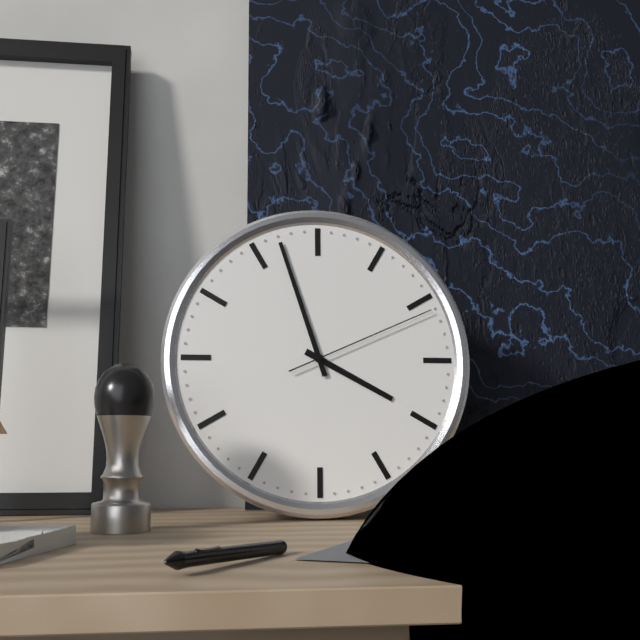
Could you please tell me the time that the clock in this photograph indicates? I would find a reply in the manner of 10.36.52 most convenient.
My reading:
3.57.11
